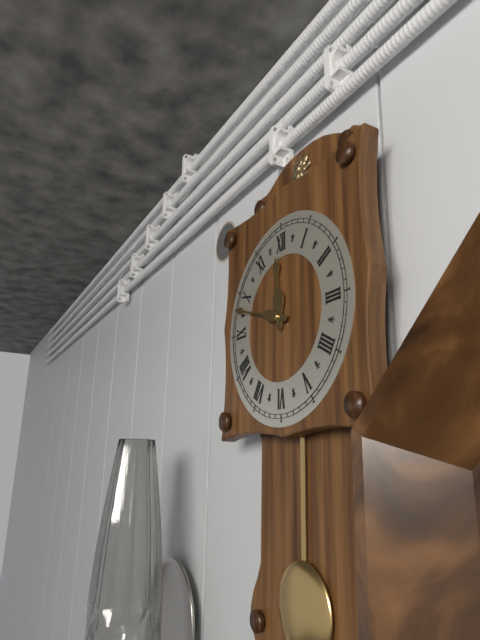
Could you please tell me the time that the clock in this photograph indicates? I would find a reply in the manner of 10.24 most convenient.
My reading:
11.48
